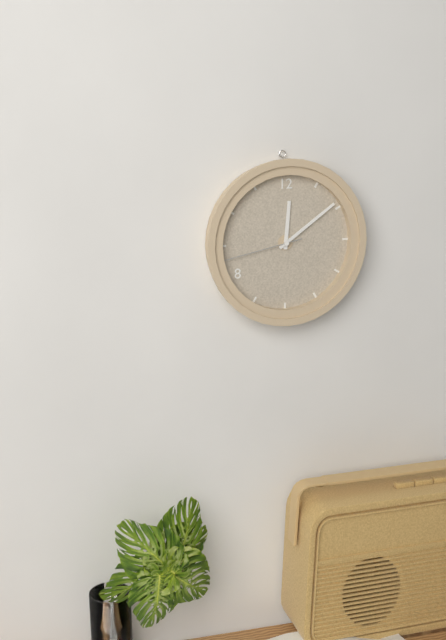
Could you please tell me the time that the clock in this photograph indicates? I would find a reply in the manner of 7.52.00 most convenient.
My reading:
12.09.43
